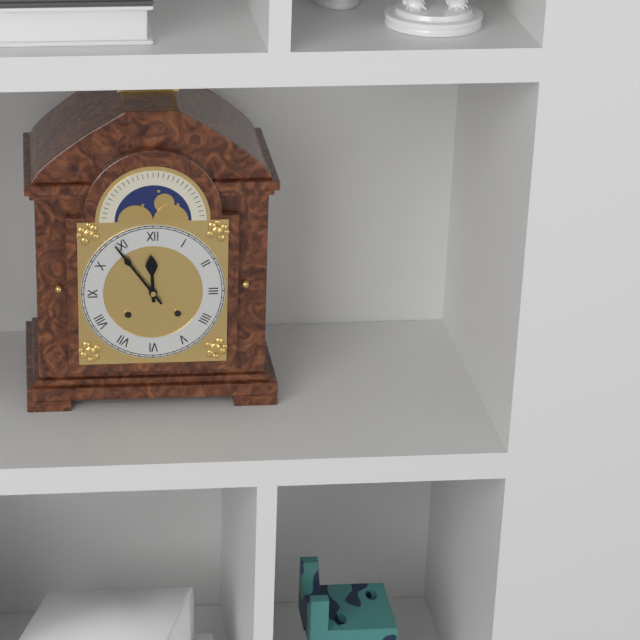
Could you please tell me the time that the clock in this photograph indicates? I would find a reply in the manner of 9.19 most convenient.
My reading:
11.54
